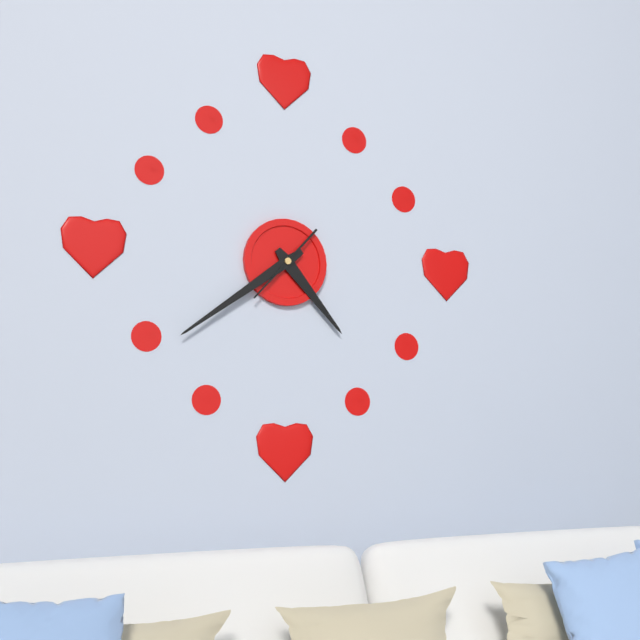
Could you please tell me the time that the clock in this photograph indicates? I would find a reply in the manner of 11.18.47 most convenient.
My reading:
4.39.37
